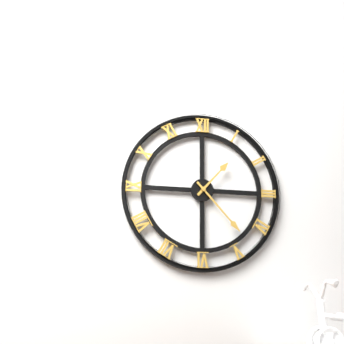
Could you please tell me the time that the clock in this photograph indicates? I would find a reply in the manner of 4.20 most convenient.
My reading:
1.23
